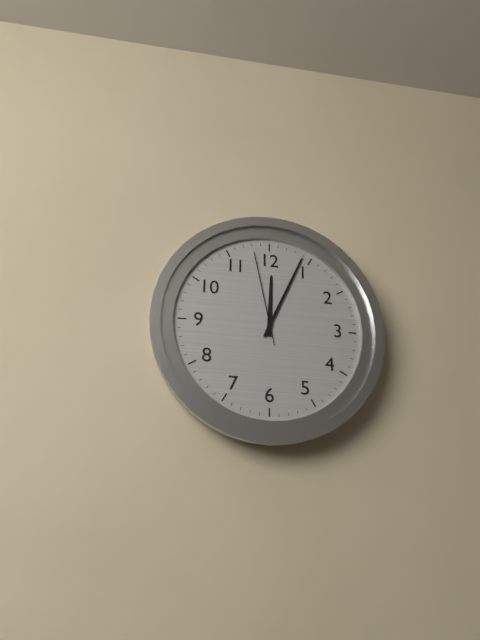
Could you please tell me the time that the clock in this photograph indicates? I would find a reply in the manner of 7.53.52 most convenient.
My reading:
12.04.58
